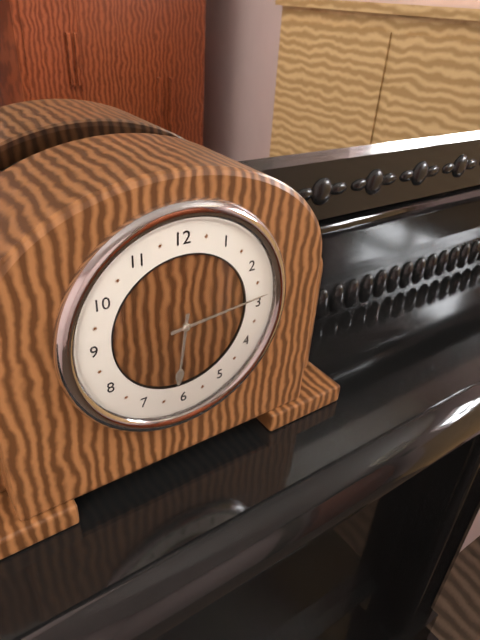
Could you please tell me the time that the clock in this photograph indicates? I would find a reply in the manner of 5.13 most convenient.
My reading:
6.14
